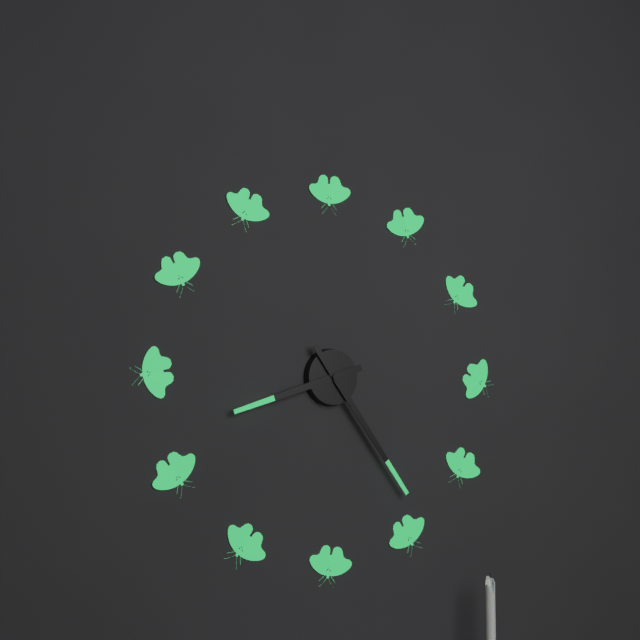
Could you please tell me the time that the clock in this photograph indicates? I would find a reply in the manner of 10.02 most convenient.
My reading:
8.24
